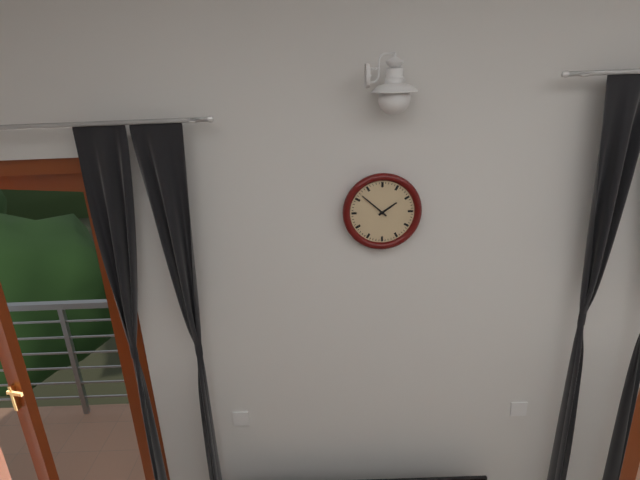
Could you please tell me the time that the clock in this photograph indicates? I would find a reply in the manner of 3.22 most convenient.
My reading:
1.52
